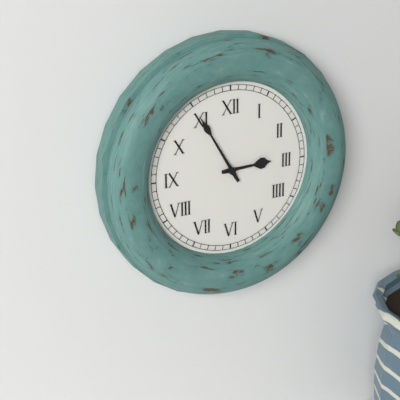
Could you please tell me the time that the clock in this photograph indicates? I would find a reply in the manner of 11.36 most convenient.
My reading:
2.55
